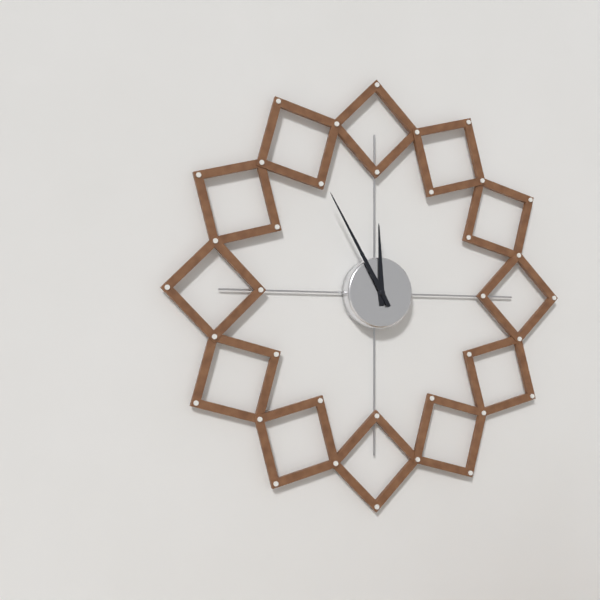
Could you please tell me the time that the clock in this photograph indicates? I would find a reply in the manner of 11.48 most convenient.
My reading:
11.55
